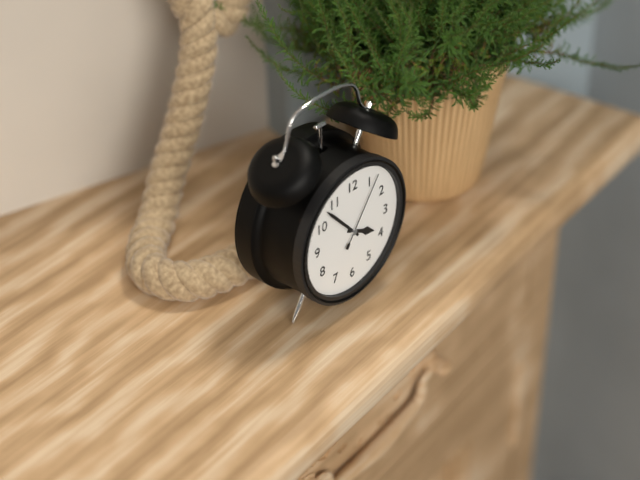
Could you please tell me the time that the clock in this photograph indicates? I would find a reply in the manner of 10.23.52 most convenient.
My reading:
3.53.06
